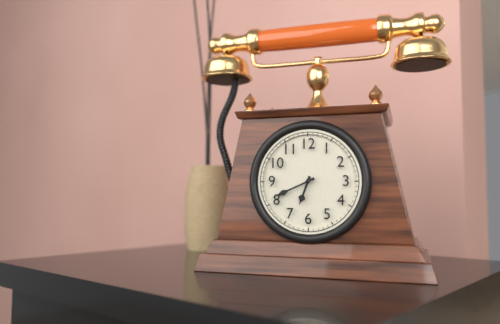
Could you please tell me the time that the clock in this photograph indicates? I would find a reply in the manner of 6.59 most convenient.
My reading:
6.41
